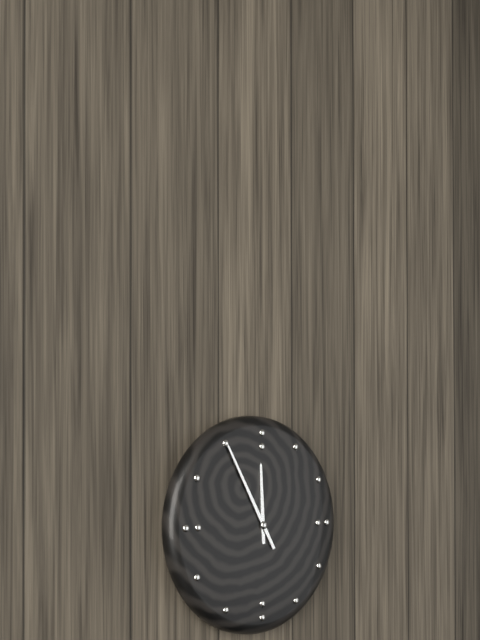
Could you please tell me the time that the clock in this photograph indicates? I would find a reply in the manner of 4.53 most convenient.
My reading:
11.55
